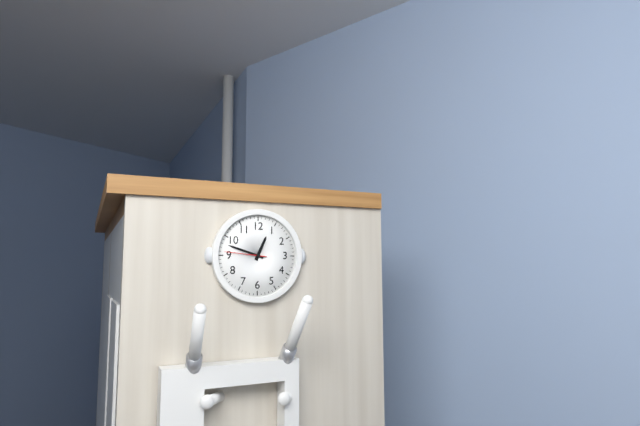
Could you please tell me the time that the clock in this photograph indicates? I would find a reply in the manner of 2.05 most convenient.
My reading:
12.48
